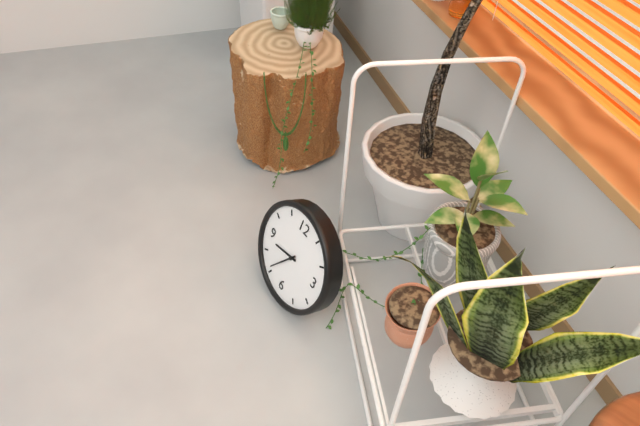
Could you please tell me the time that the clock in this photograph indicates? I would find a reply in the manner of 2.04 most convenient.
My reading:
8.36
